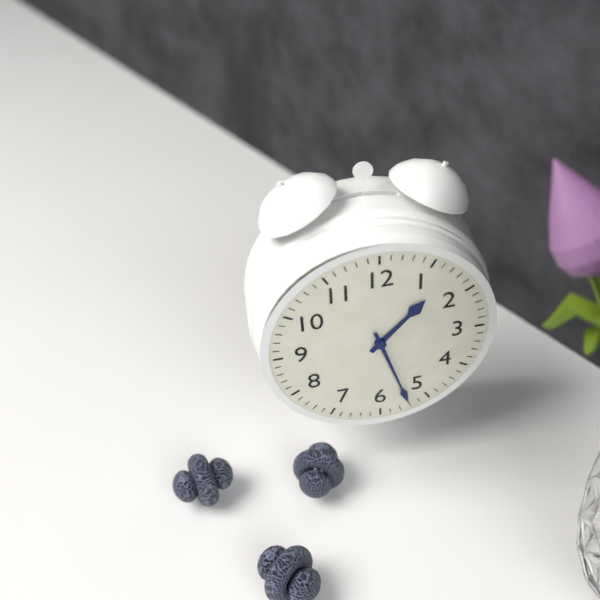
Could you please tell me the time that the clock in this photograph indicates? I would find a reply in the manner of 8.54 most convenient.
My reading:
1.27
